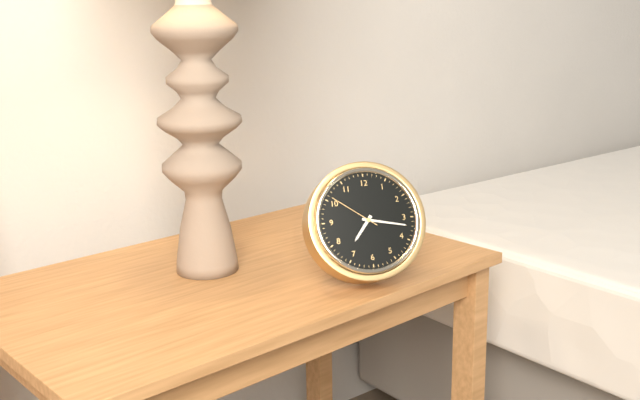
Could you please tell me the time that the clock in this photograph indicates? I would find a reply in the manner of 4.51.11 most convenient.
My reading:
7.17.51
